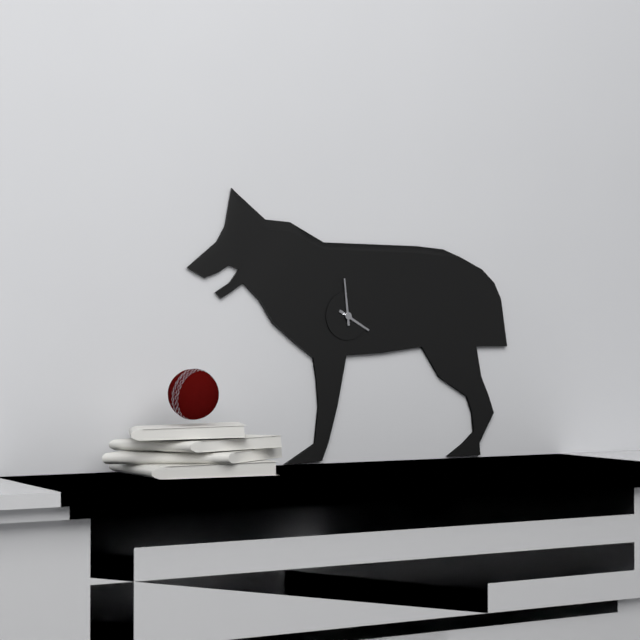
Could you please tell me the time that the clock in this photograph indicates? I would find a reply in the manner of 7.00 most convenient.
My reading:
3.59
